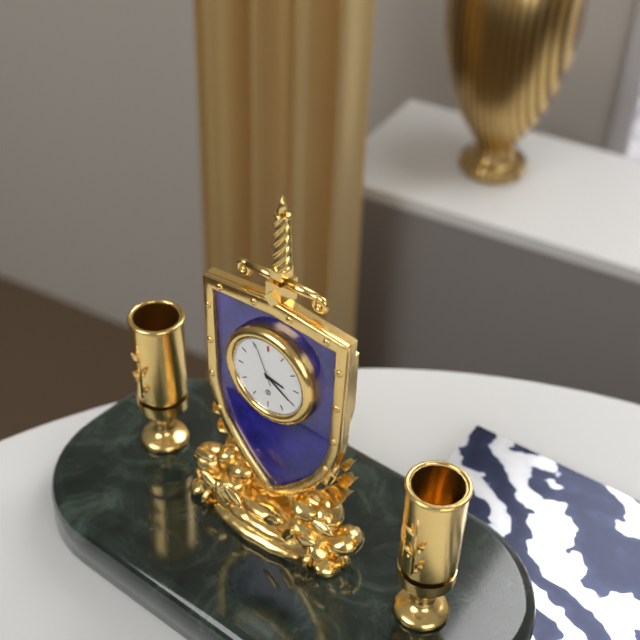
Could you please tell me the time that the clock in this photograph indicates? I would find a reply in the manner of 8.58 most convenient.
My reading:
3.20
